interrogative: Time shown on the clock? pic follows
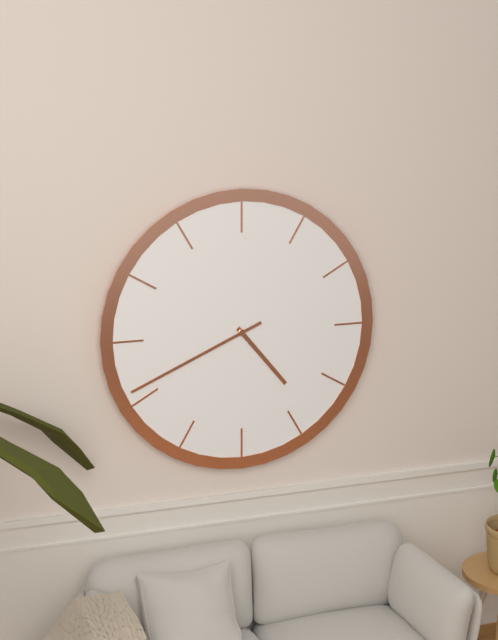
4:41
